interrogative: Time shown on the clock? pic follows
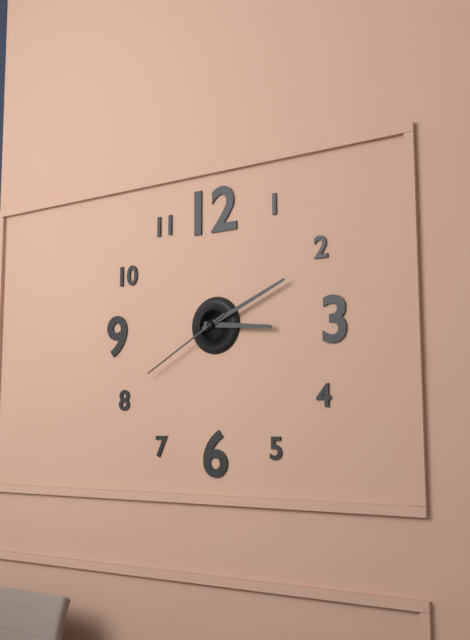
3:11:40
